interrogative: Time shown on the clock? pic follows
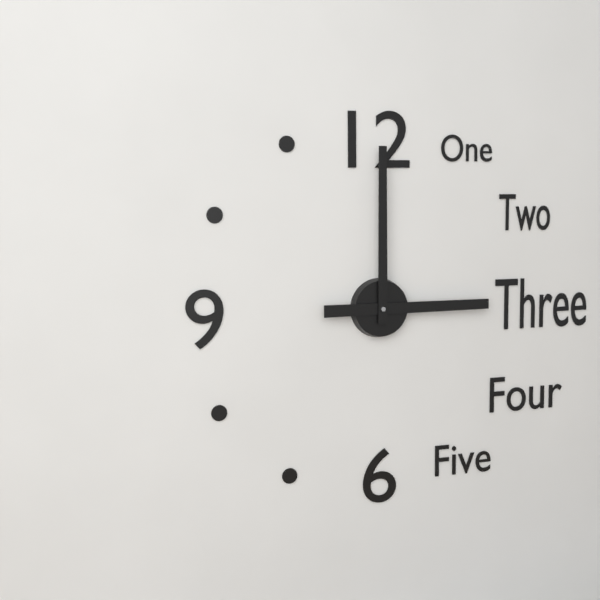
3:00
